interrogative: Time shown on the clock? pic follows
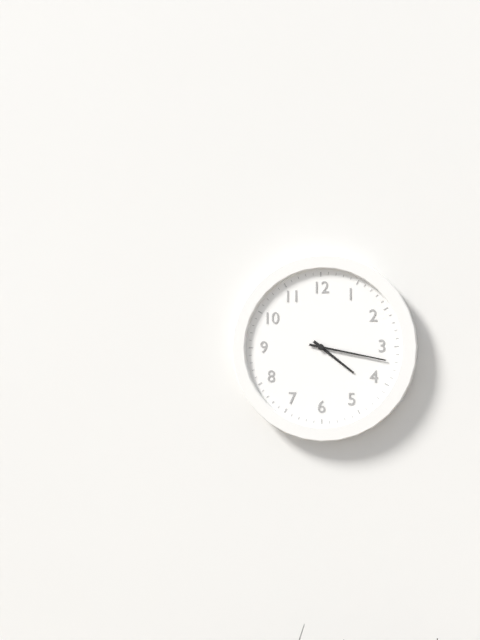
4:17
